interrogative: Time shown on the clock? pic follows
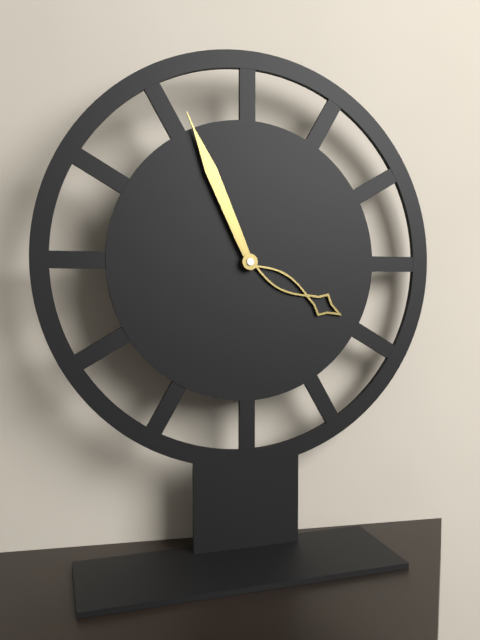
3:56
